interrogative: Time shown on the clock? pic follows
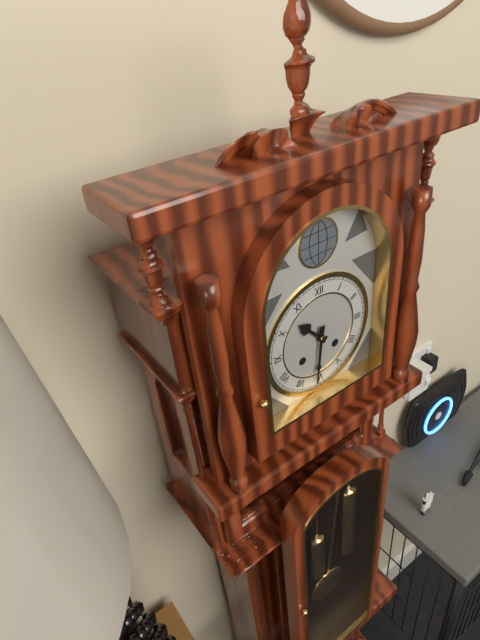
10:31
